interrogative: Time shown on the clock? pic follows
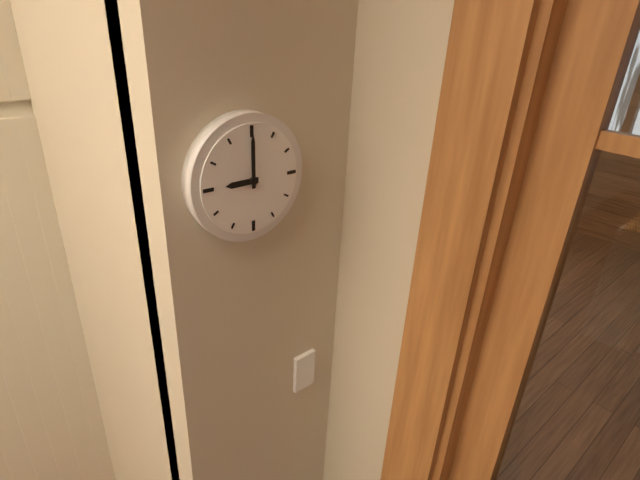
9:00
